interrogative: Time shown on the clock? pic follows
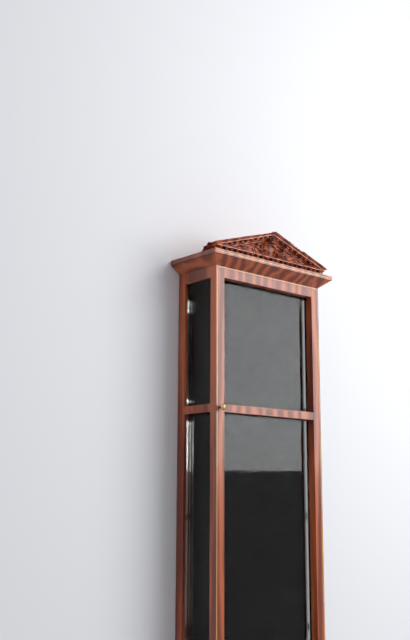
8:37:22
